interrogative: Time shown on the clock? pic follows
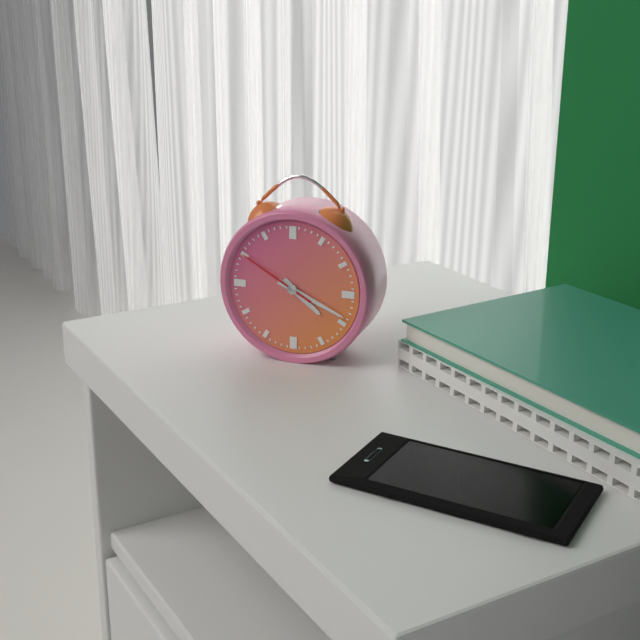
4:19:50
